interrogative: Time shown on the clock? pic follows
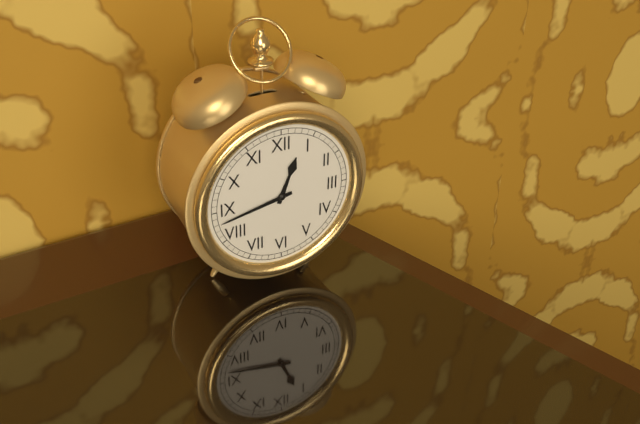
12:43
